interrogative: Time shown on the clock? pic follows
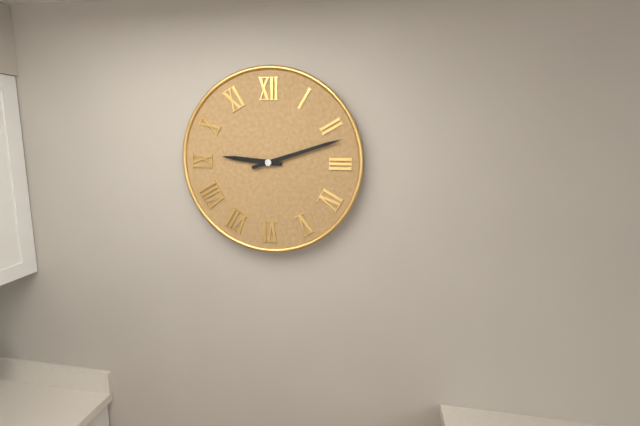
9:12
